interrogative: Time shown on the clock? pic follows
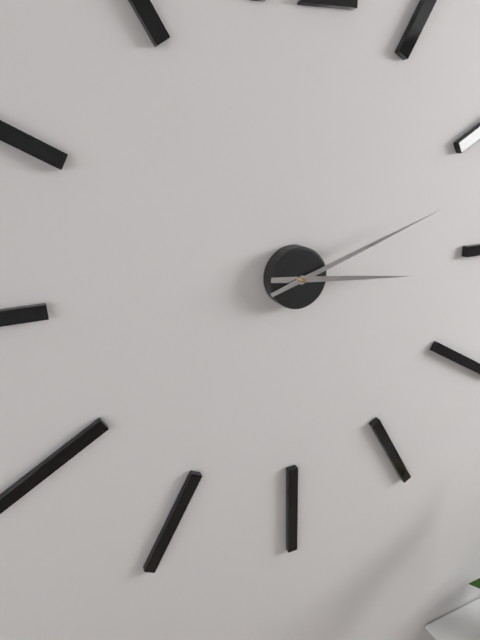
3:12
